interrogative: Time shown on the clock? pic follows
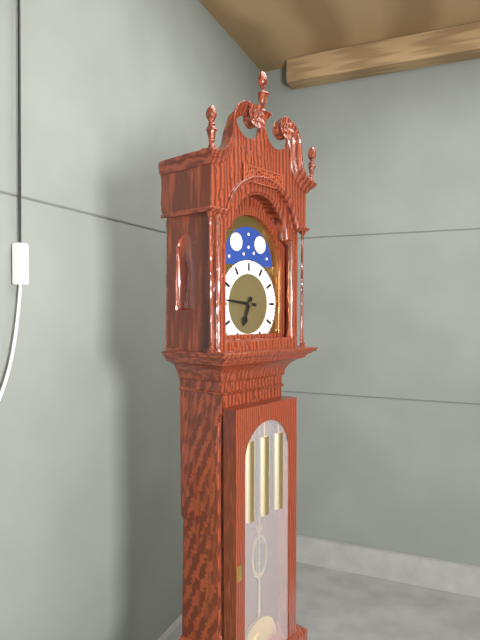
6:46
